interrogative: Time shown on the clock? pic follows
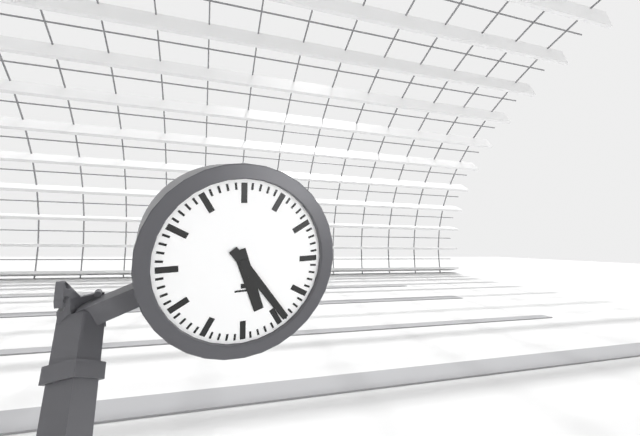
5:24
